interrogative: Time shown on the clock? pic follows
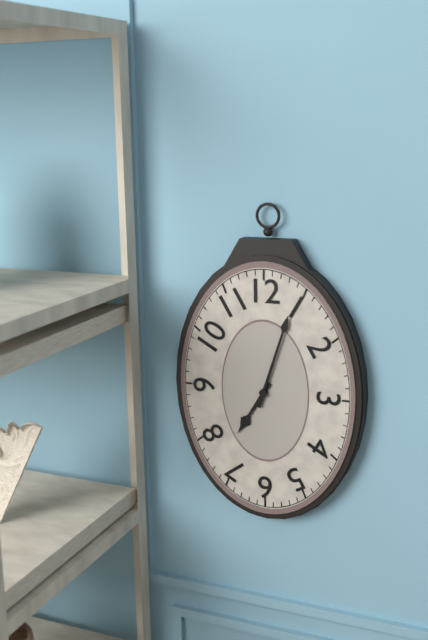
7:03
